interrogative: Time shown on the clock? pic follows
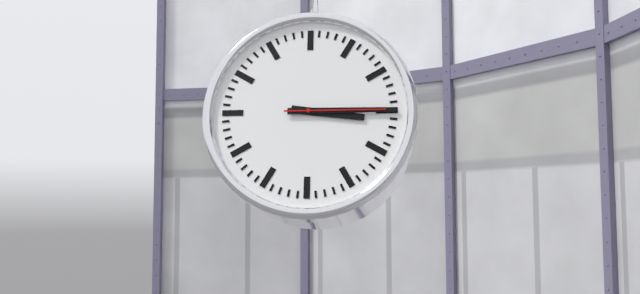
3:15:15
